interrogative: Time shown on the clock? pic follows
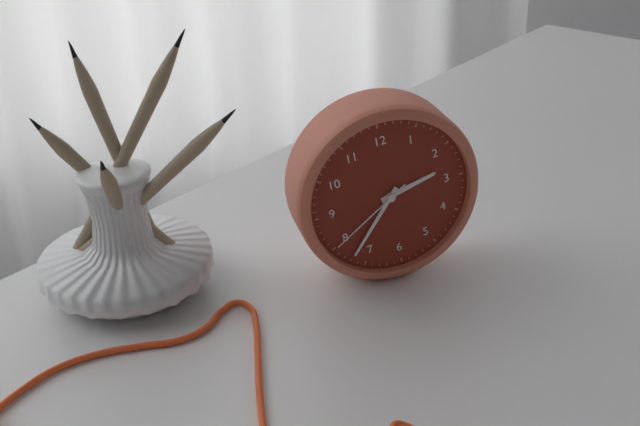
2:37:40
